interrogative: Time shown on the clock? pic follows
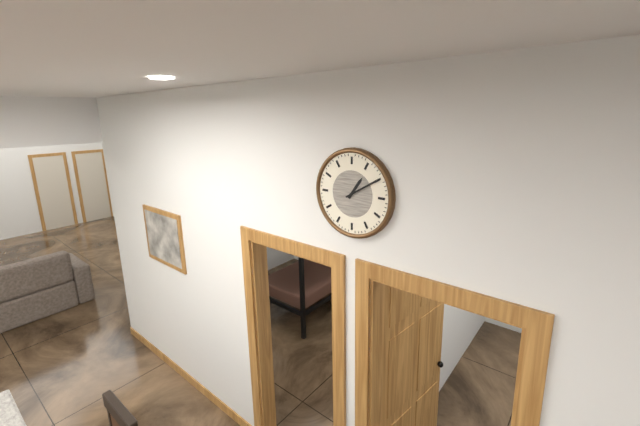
1:10
